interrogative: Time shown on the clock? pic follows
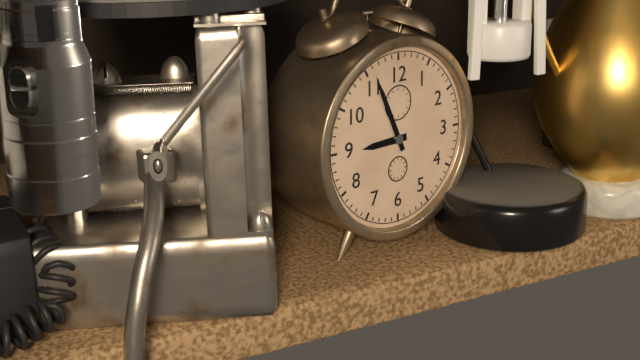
8:56
